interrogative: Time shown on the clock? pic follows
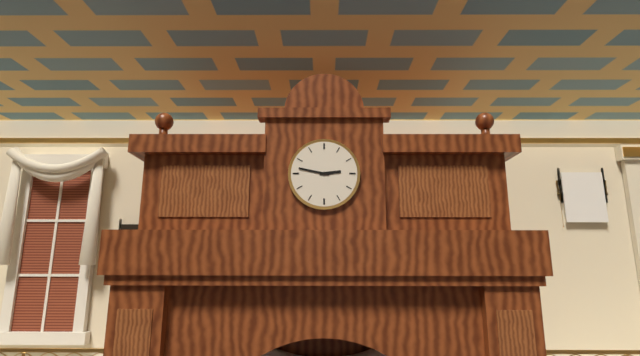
2:47
